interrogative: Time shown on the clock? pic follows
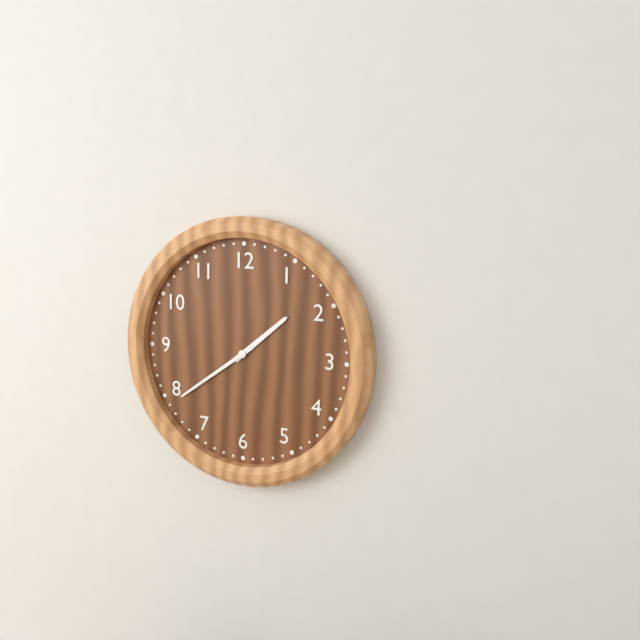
1:39
